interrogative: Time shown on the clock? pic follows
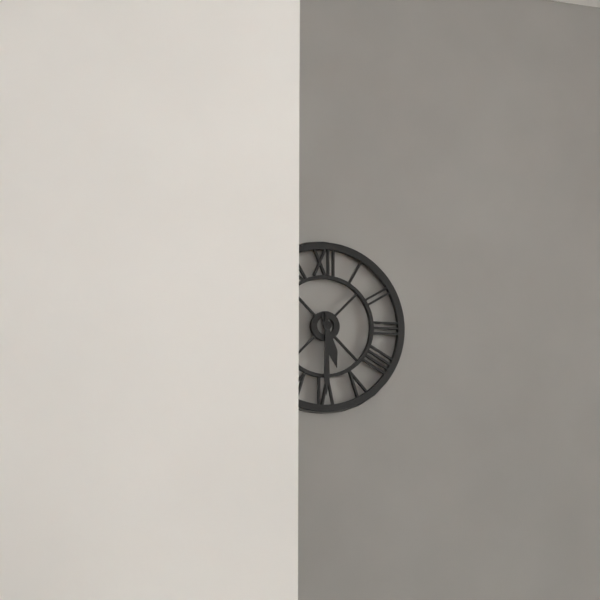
5:30
